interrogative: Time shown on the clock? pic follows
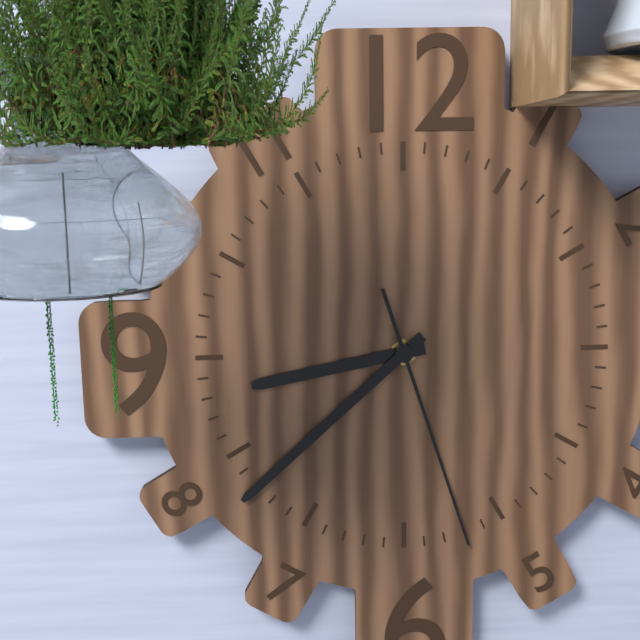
8:38:27
